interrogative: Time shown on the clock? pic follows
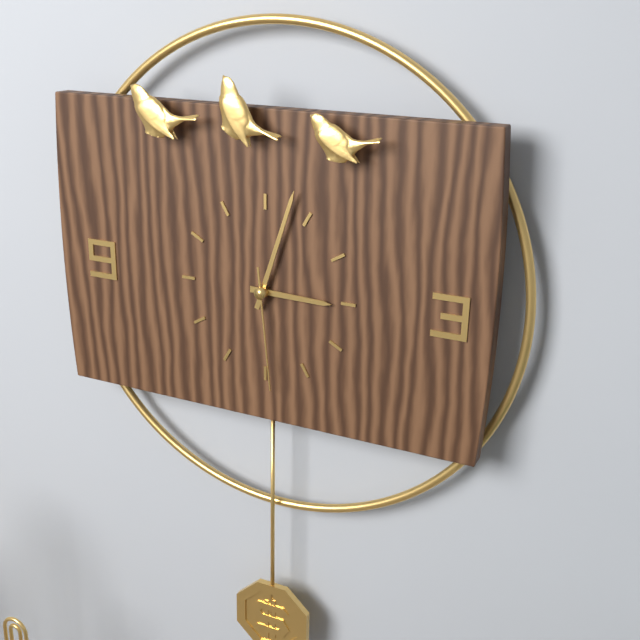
3:03:29
